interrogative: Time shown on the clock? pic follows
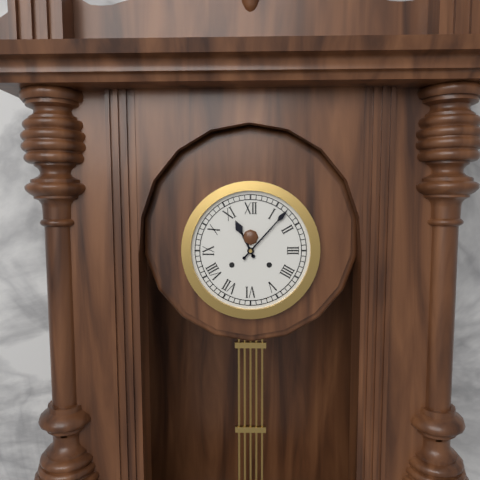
11:07
